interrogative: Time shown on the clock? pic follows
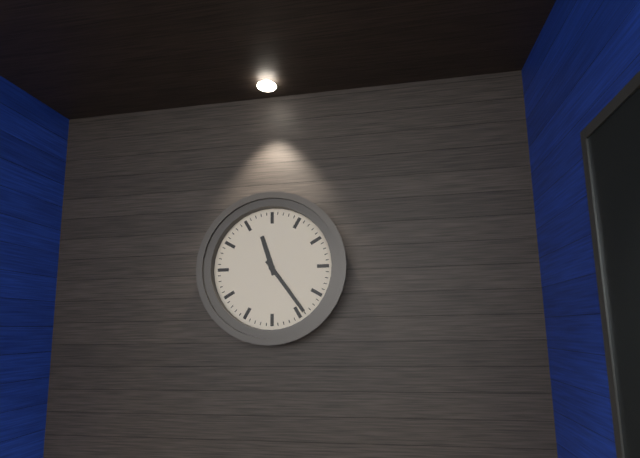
11:24
